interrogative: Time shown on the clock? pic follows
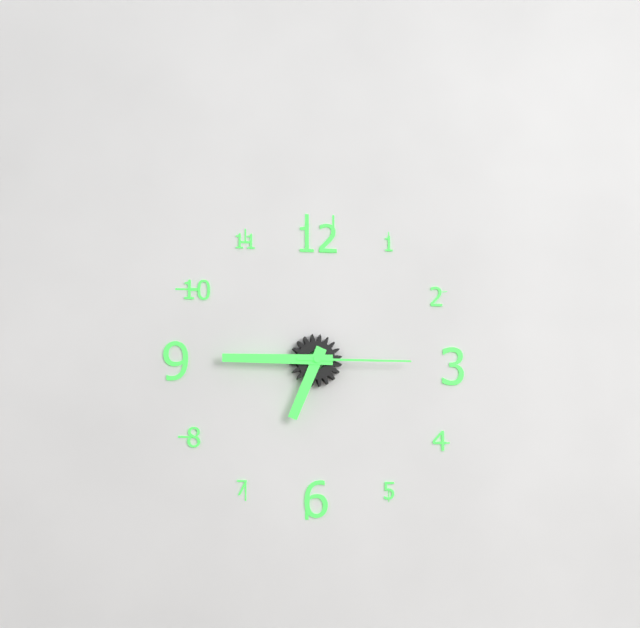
6:45:15
